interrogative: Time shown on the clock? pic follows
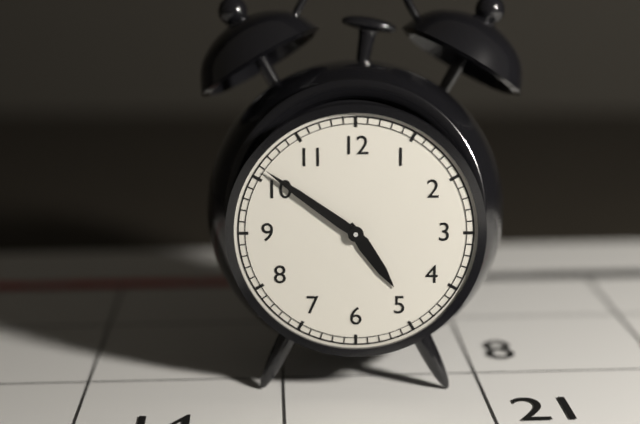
4:51
